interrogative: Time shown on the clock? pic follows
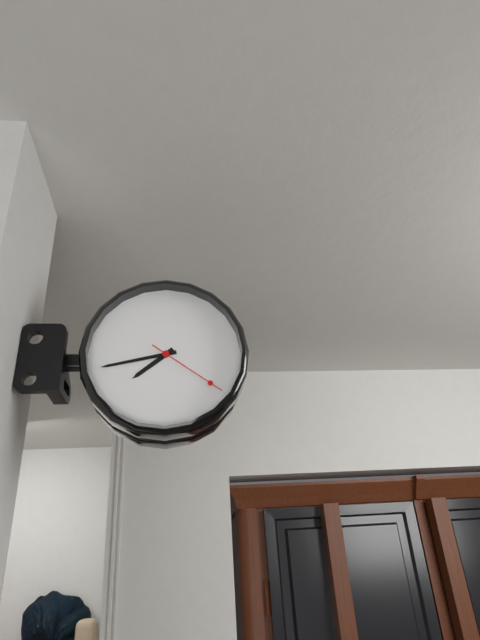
7:43:21
